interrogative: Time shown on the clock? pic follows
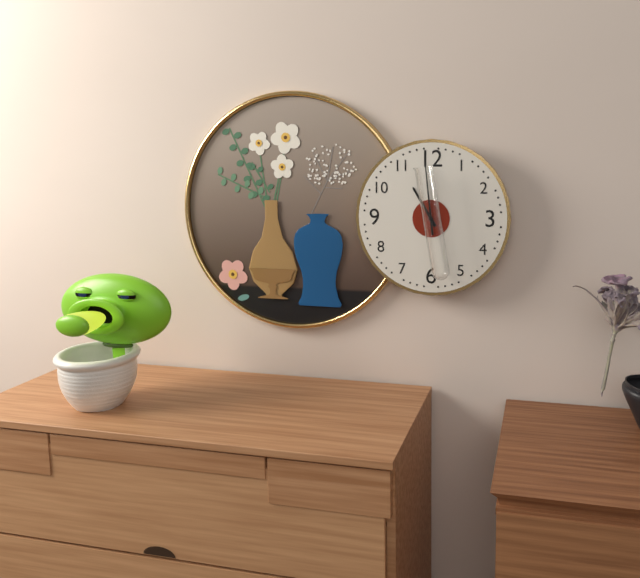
10:59
